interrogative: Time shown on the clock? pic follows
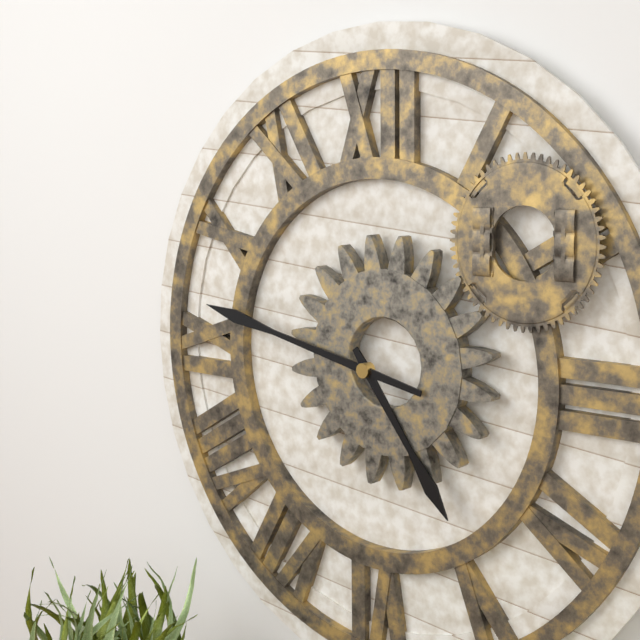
4:47
